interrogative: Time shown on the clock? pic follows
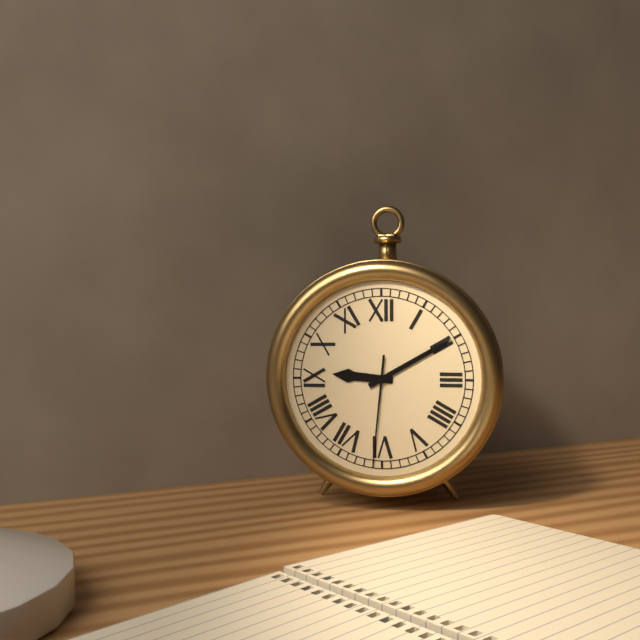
9:10:31
